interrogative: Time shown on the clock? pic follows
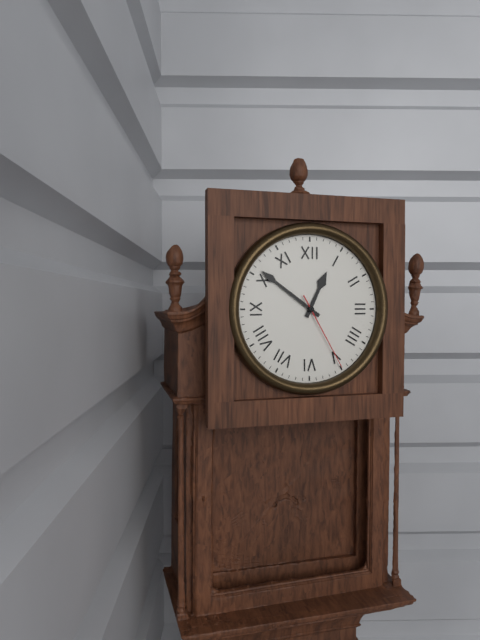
12:51:25
